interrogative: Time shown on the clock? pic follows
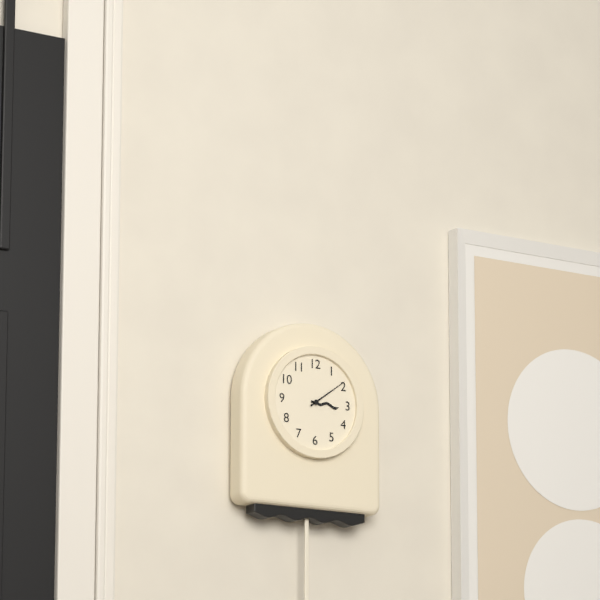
3:09
